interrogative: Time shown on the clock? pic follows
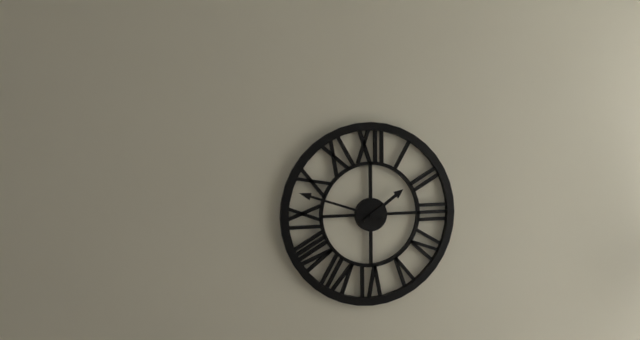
1:48
